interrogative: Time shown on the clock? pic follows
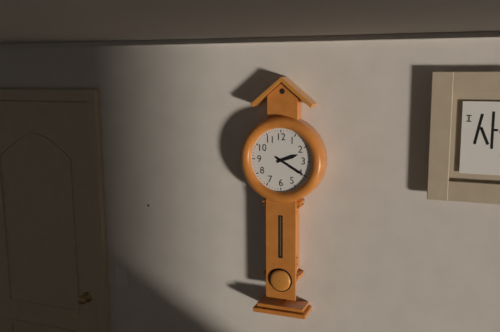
2:20
